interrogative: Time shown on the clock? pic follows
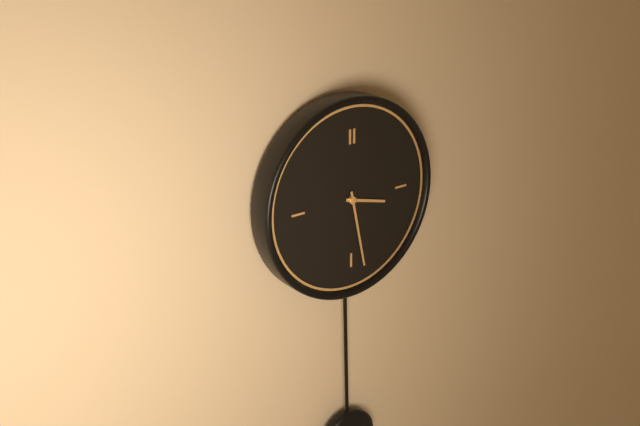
3:28
